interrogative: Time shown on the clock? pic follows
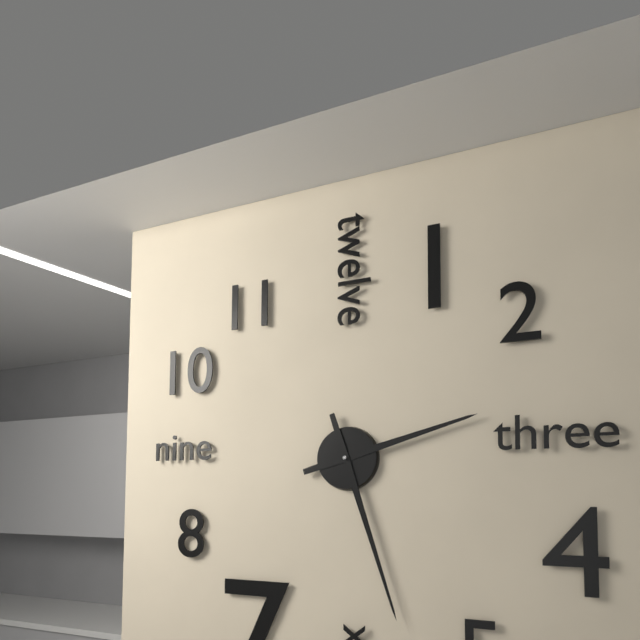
2:27
